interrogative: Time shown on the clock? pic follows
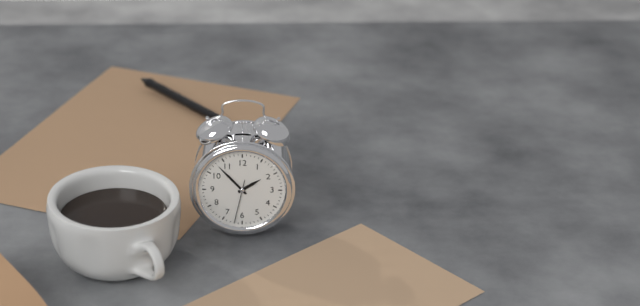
1:53
